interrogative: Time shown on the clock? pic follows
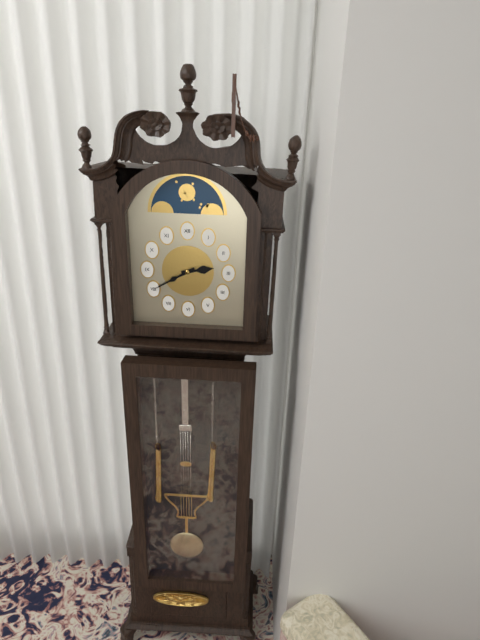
2:40
